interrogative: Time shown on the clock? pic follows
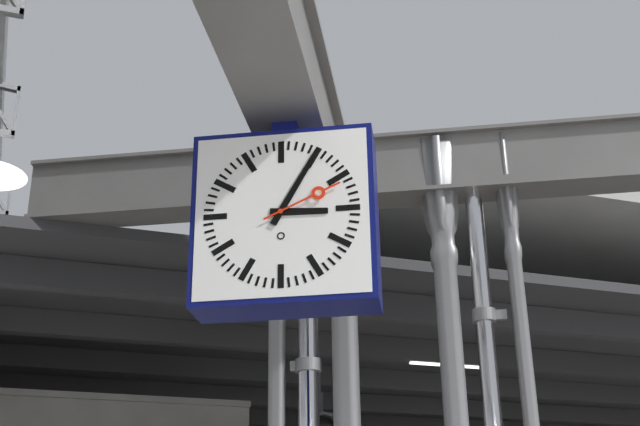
3:05:11
